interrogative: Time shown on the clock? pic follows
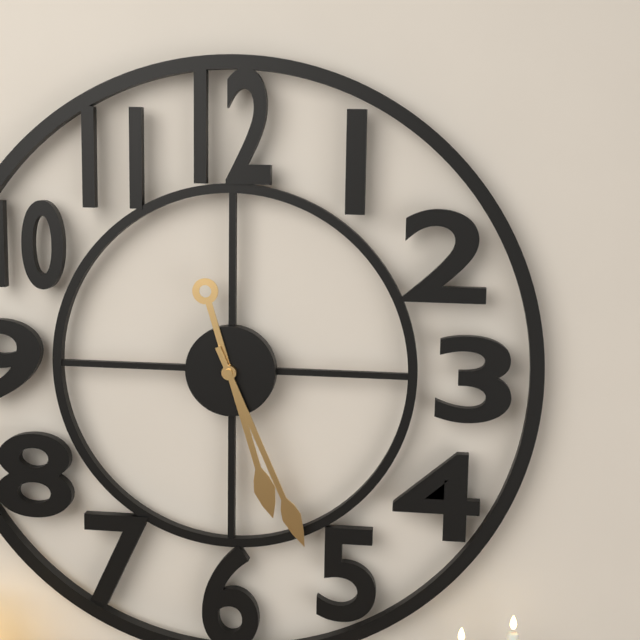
5:26
